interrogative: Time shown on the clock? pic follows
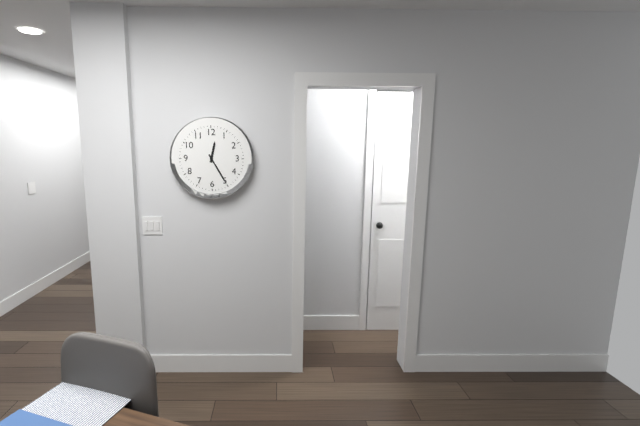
12:25
